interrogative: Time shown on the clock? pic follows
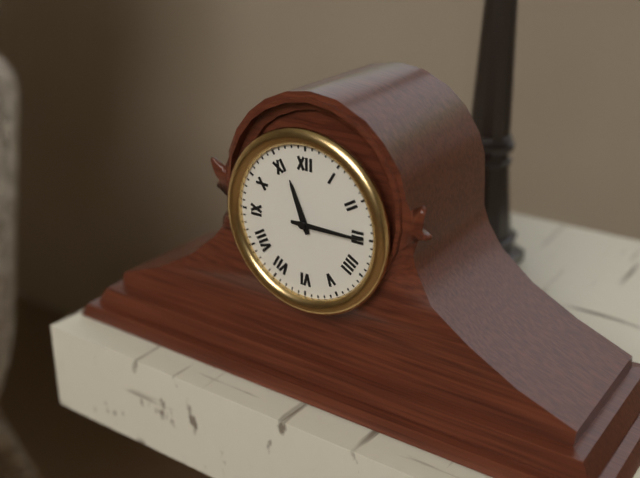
11:15
